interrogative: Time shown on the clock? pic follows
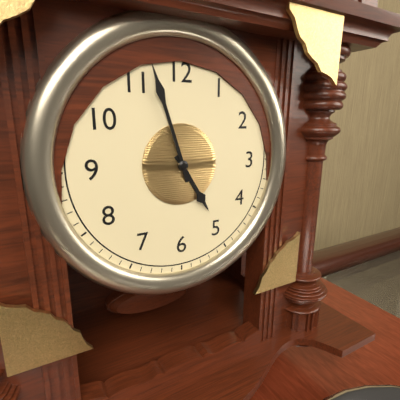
4:57
